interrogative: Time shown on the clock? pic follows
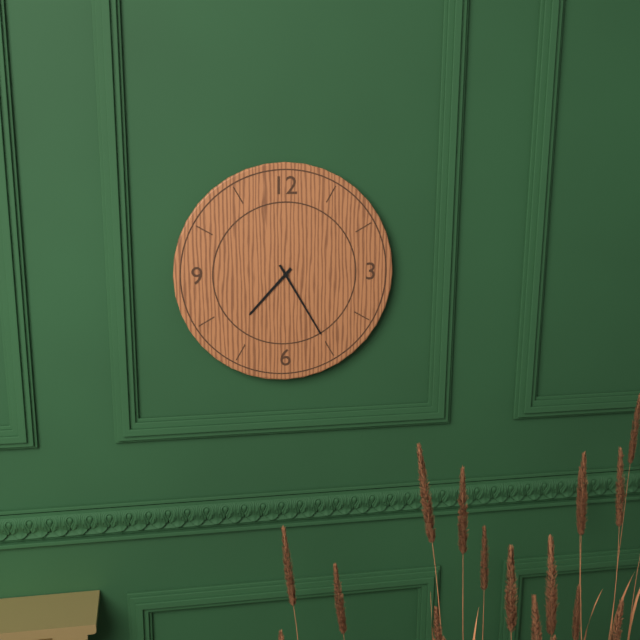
7:25
